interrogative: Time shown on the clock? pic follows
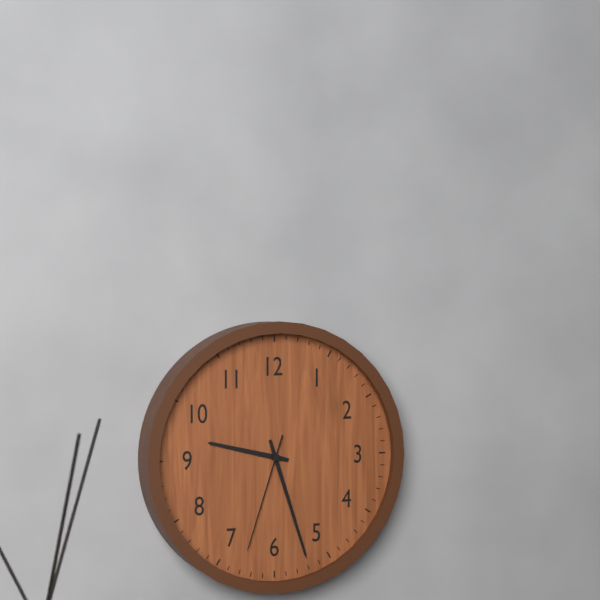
9:27:33
